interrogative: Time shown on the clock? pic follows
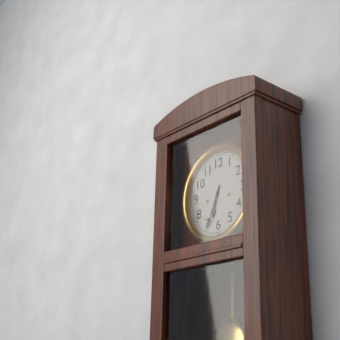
6:34
